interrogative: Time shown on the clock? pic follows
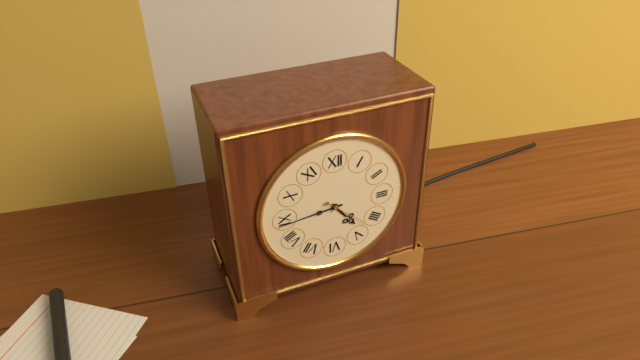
4:44
